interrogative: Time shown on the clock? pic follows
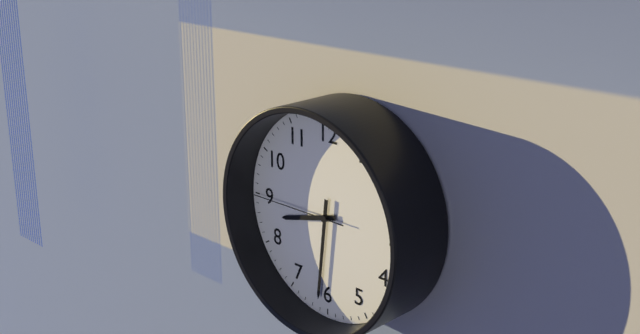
8:31:45
